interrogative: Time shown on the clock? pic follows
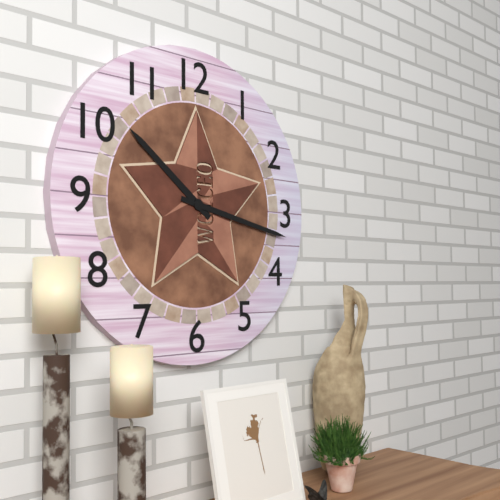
10:17
